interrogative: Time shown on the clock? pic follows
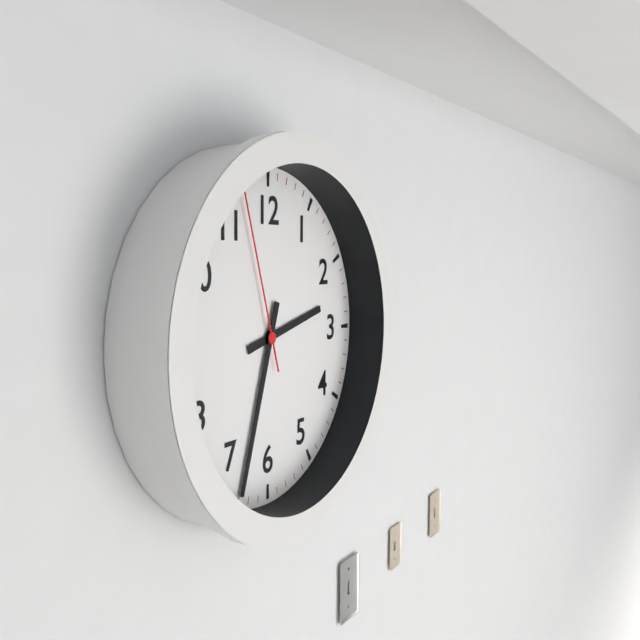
2:33:57
